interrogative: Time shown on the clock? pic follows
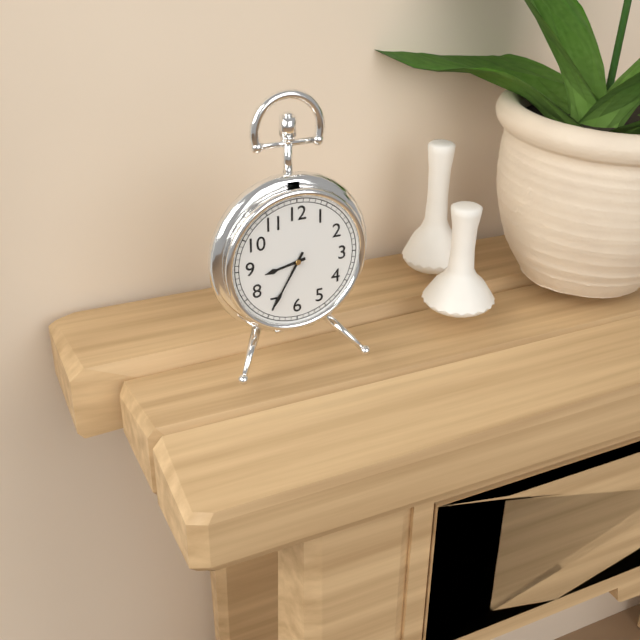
8:35
